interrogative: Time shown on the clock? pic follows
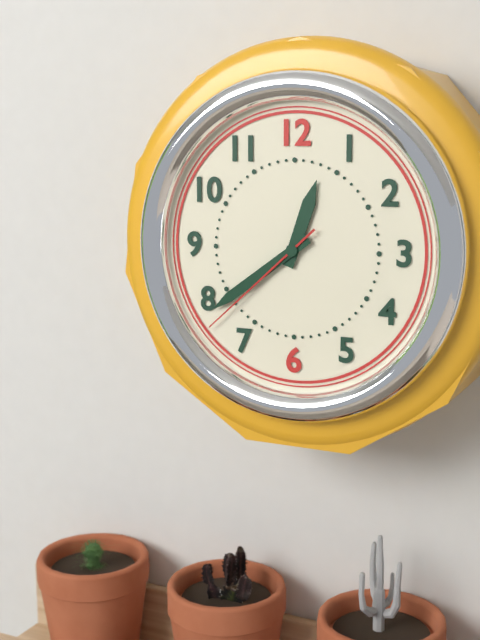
12:39:38
